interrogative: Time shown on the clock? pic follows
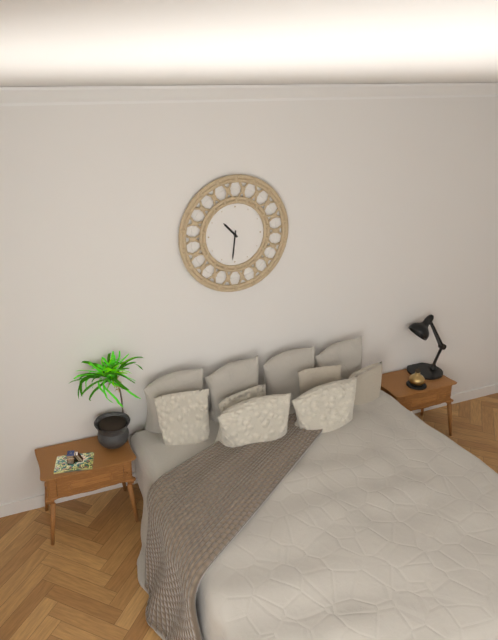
10:31
